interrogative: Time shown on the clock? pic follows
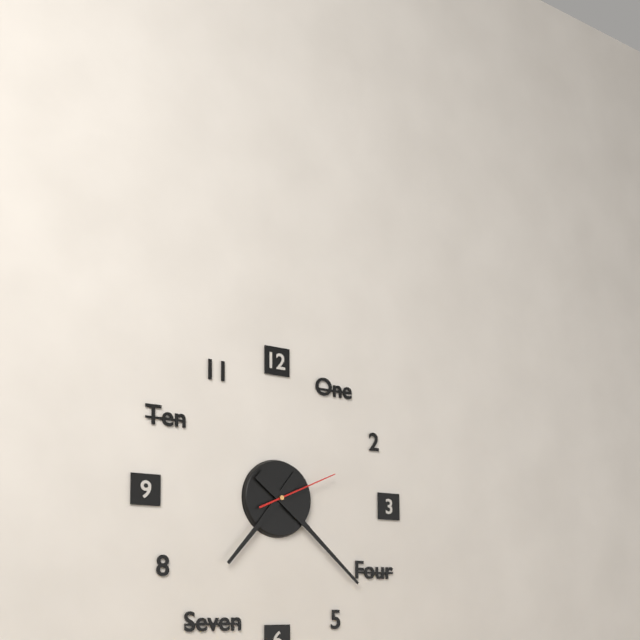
7:22:11
